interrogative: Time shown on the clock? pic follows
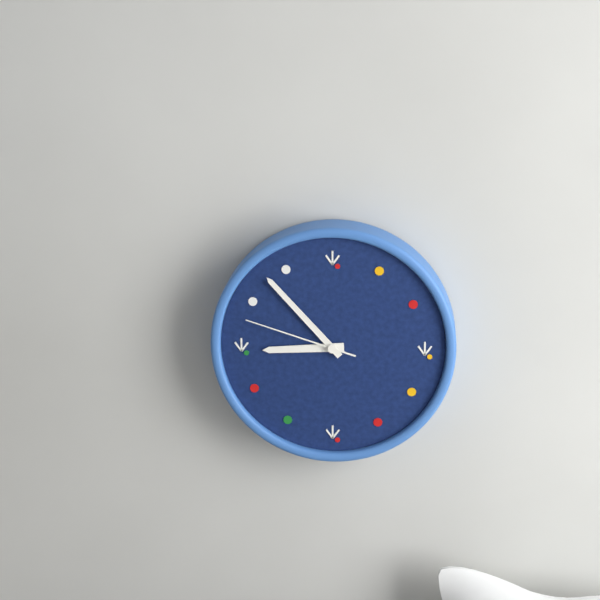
8:53:48
